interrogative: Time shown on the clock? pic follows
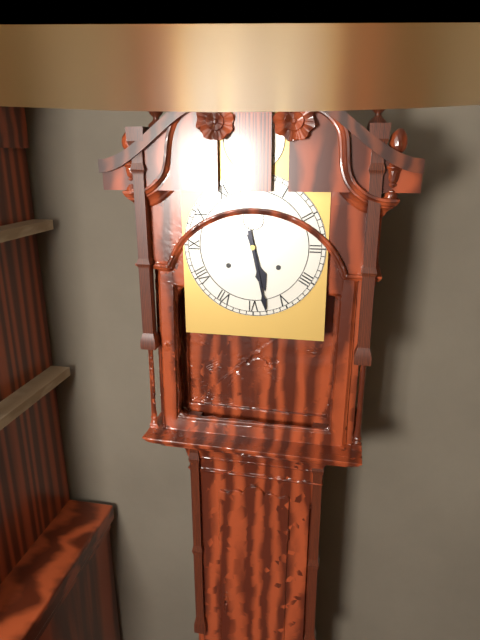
5:28
